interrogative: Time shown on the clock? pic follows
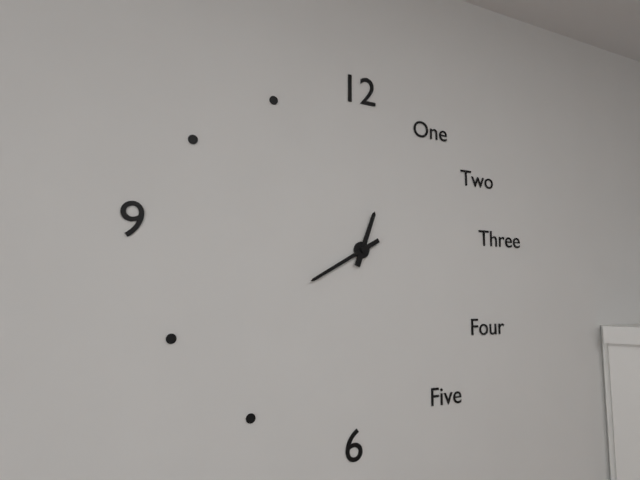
12:40
